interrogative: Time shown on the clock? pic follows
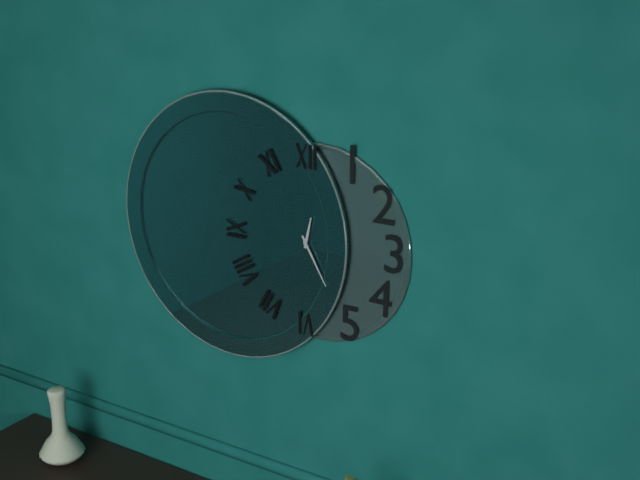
12:25
